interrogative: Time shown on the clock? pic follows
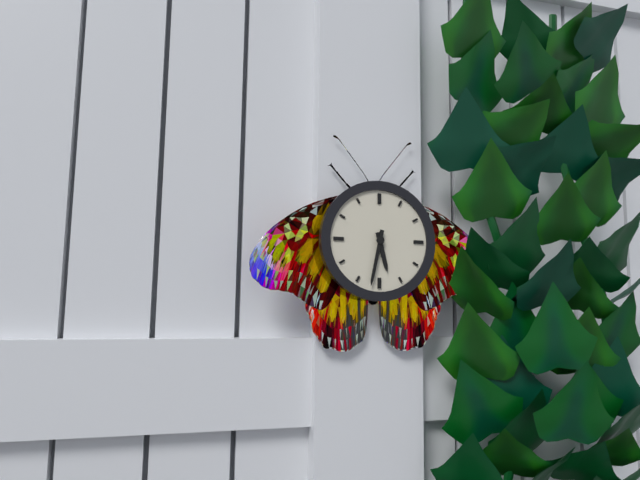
5:32
